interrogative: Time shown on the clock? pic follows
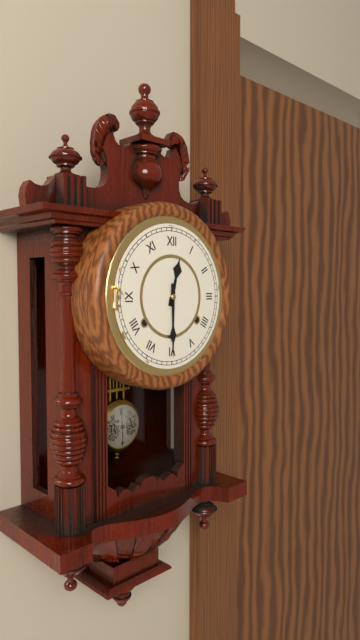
12:30
